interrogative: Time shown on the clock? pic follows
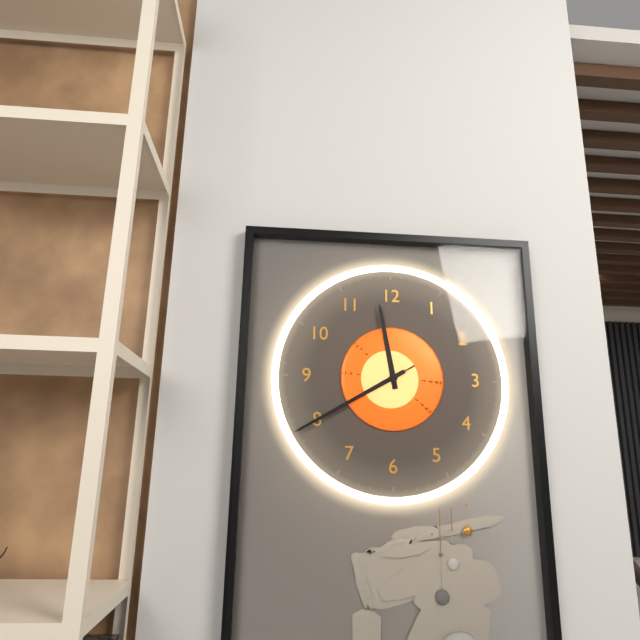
11:40:40
